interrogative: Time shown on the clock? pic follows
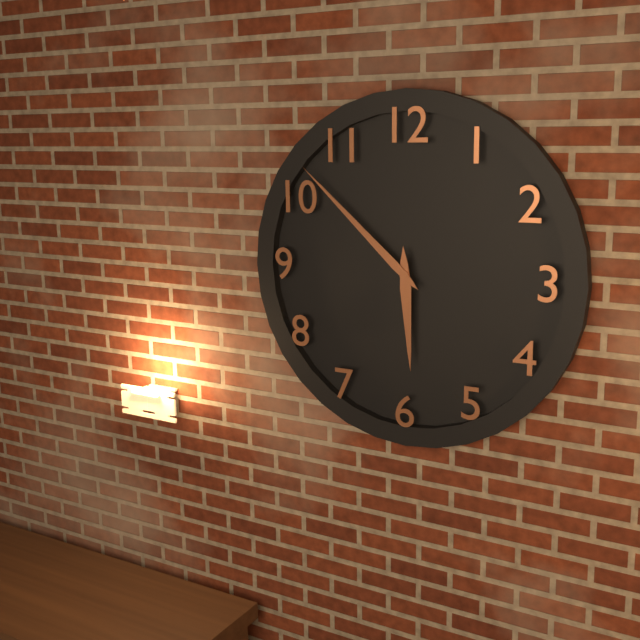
5:52
